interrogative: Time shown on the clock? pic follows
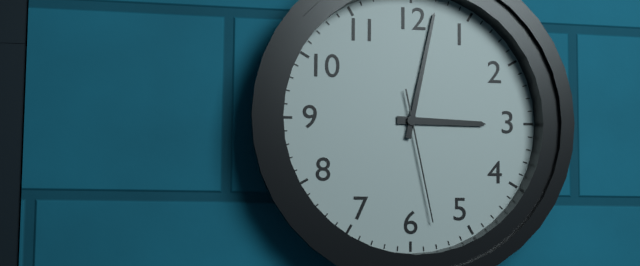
3:02:28
